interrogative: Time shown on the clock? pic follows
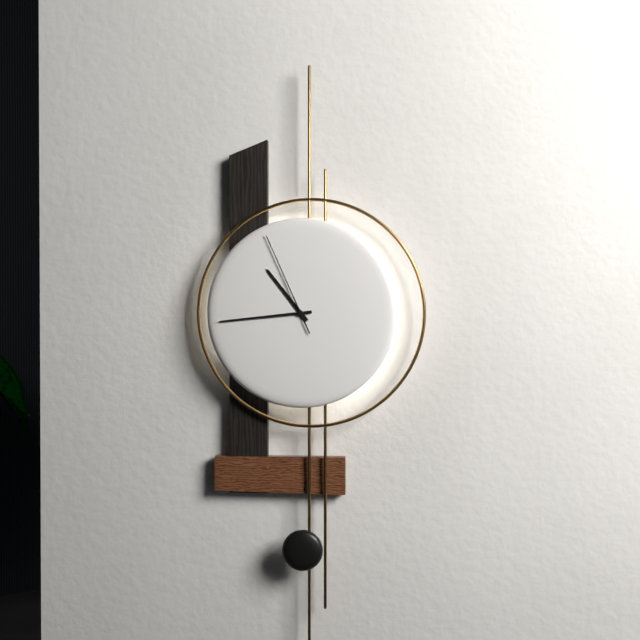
10:44:56
